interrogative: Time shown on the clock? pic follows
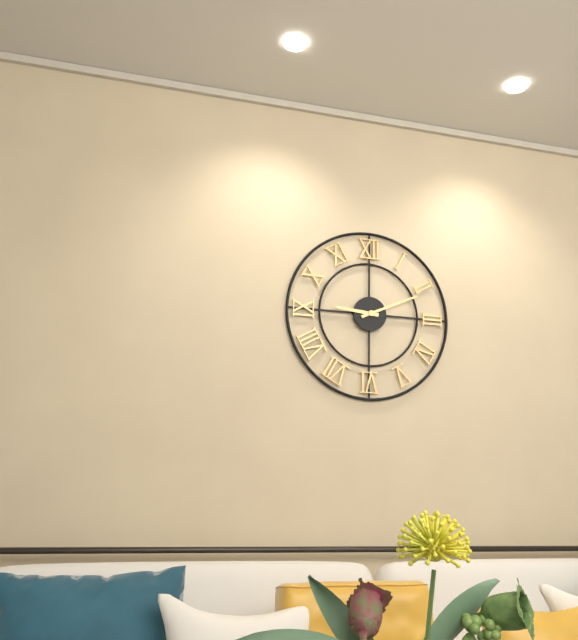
9:11
